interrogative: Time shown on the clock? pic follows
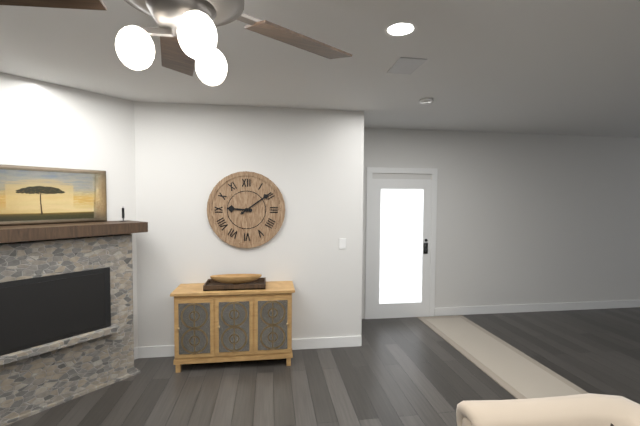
9:09
